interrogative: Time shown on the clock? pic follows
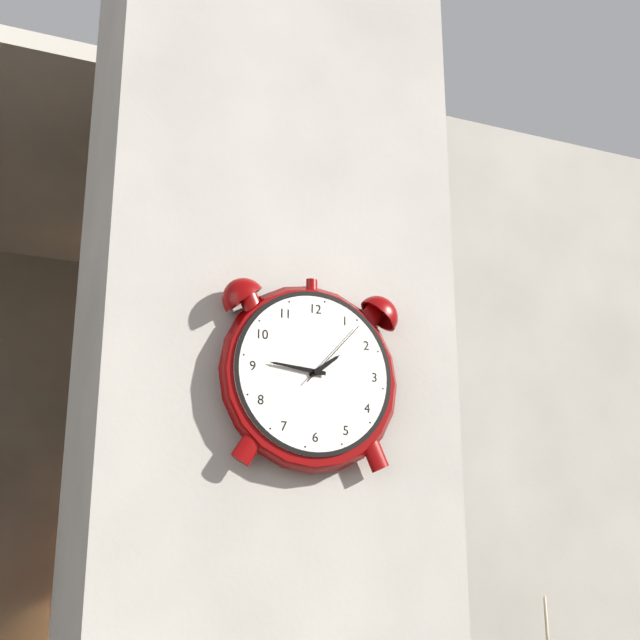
1:46:07
